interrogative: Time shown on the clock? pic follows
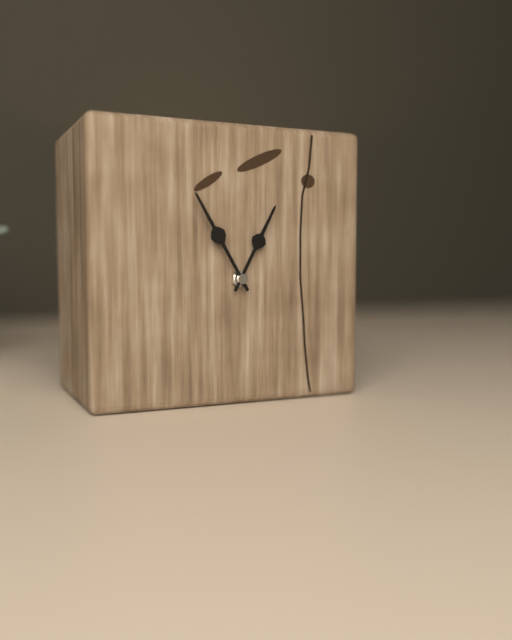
12:55
